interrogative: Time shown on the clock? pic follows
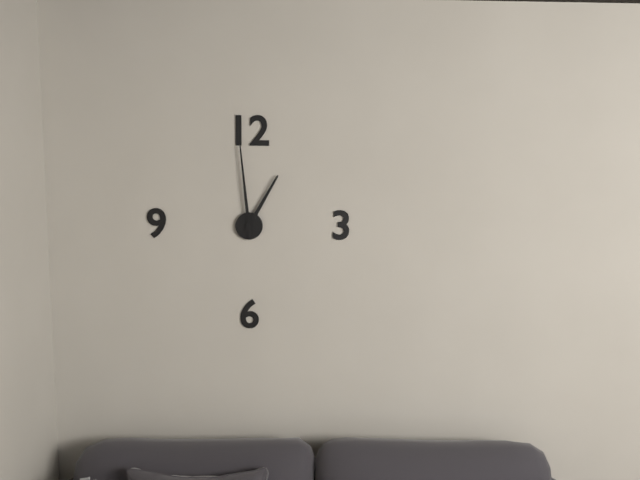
12:59
